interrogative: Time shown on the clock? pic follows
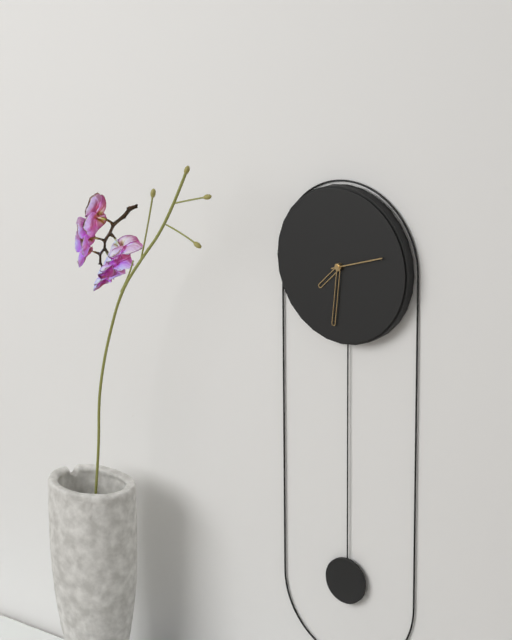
7:31:12
